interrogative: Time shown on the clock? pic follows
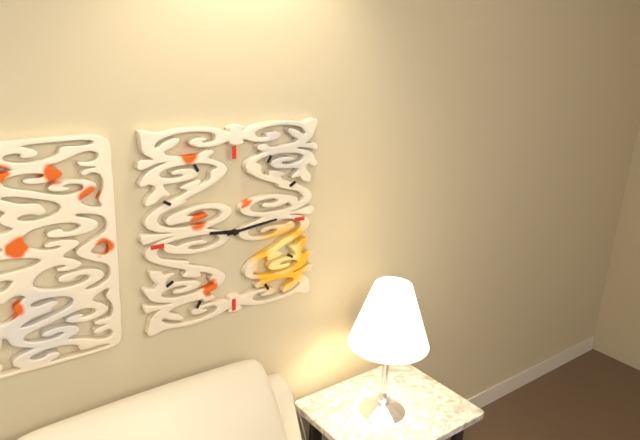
9:14
